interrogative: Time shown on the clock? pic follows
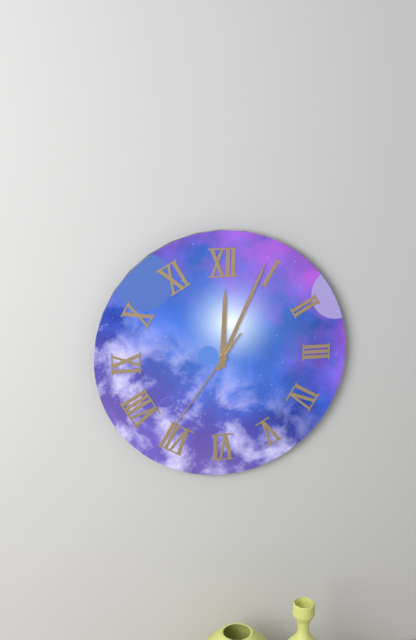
12:04:36
